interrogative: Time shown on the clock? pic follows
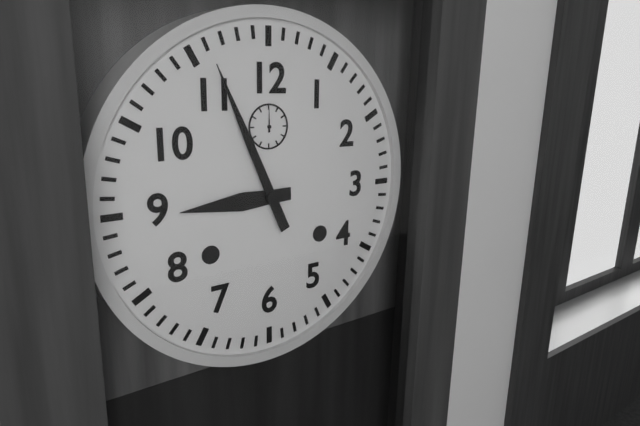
8:56
